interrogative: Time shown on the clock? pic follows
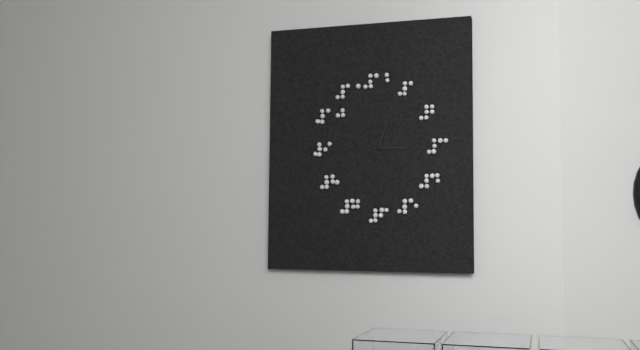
3:03
